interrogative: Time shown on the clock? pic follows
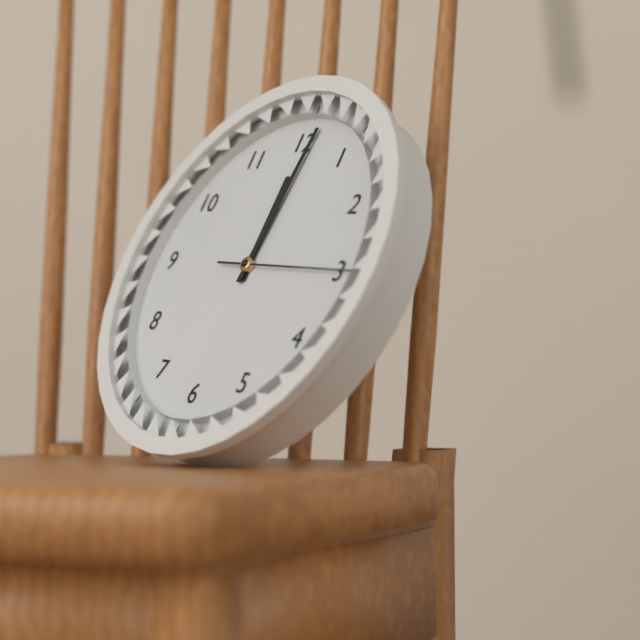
12:01:15
